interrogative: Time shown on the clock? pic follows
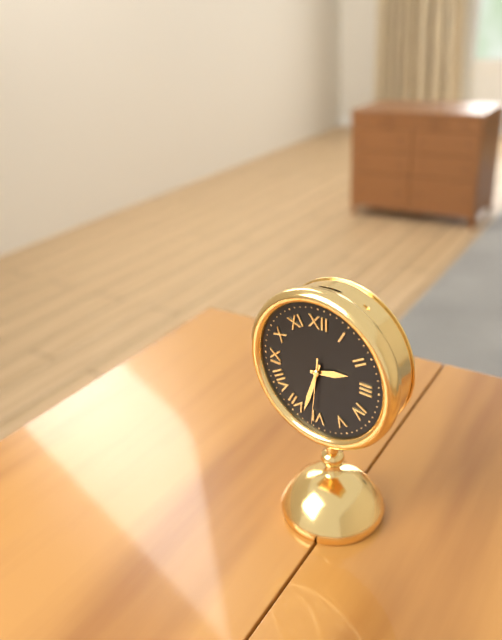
2:33:31
